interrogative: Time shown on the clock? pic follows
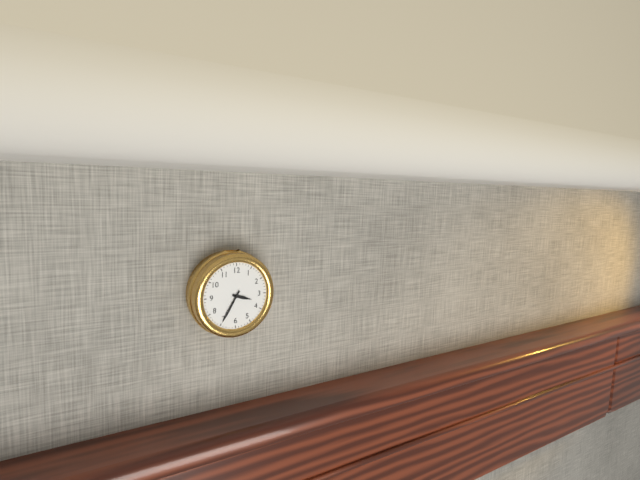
3:35
